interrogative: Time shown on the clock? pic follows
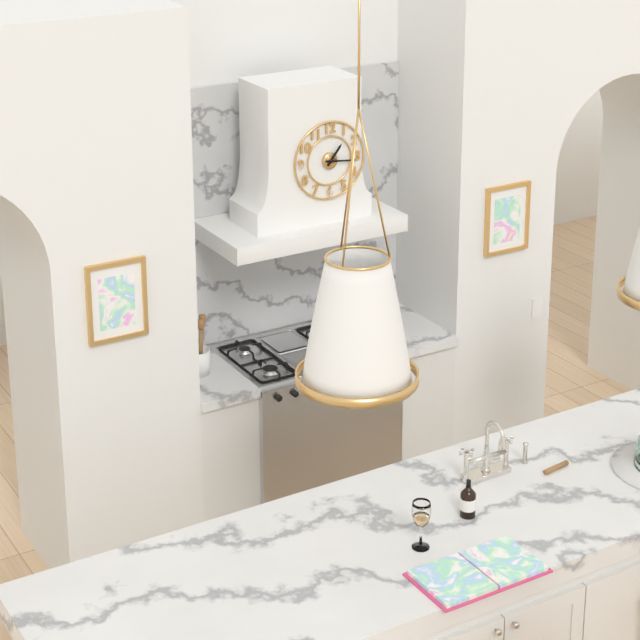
1:16
